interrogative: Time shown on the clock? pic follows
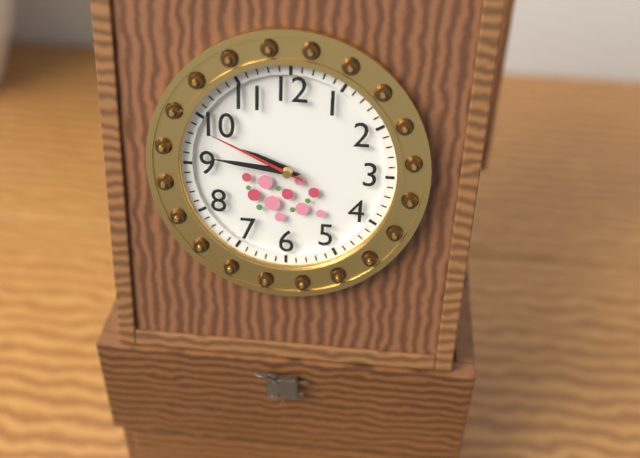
9:46:49
